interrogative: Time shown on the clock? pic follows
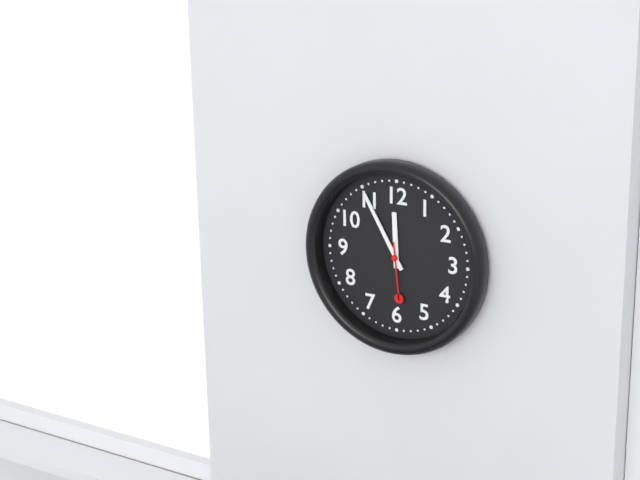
11:55:29
